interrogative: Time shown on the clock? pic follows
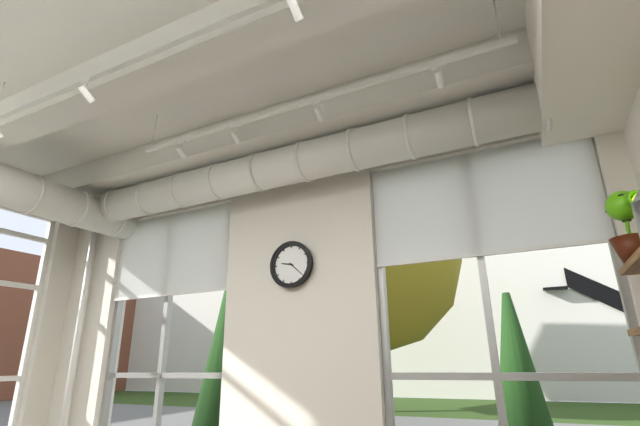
9:22
